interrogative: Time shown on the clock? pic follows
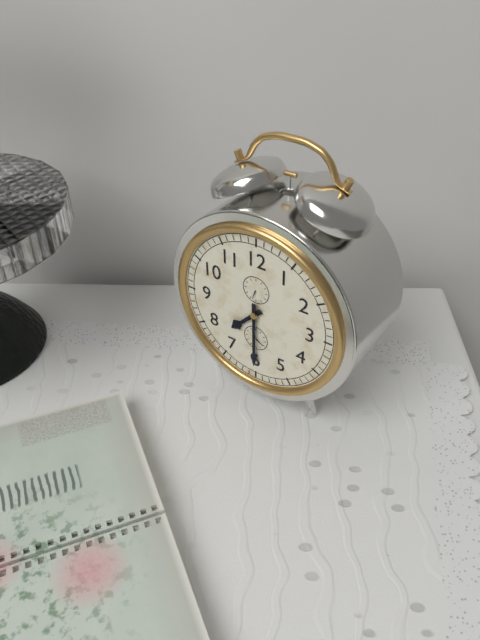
7:30
